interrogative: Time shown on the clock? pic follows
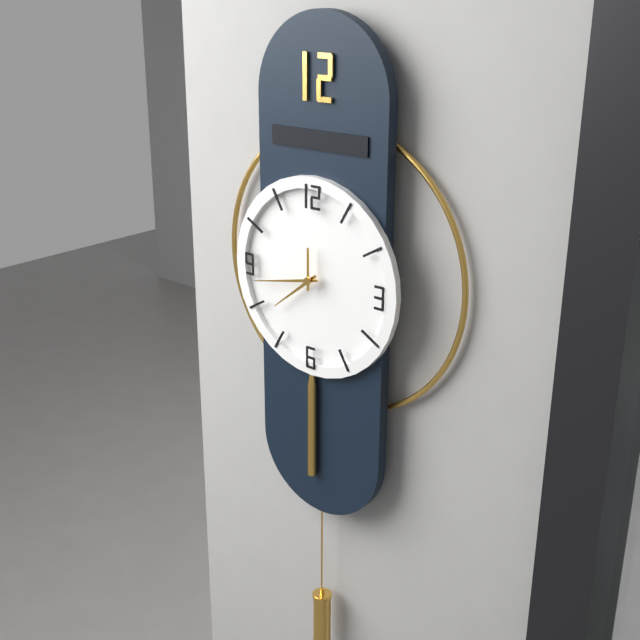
7:43
